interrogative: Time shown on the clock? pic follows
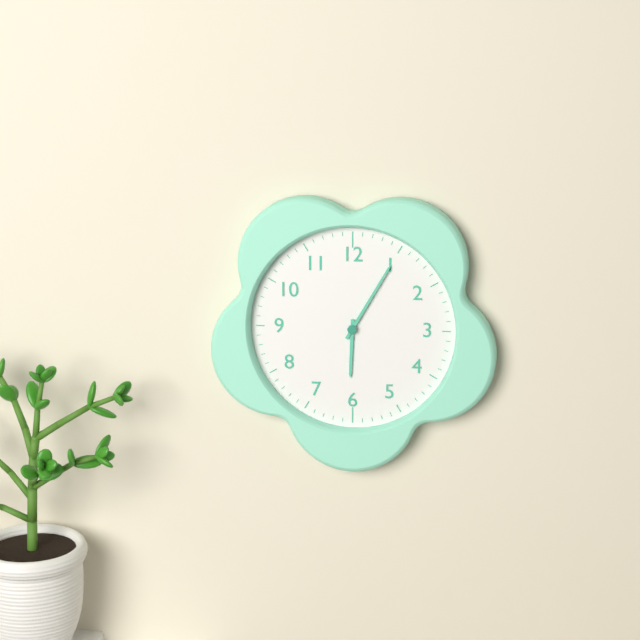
6:05
